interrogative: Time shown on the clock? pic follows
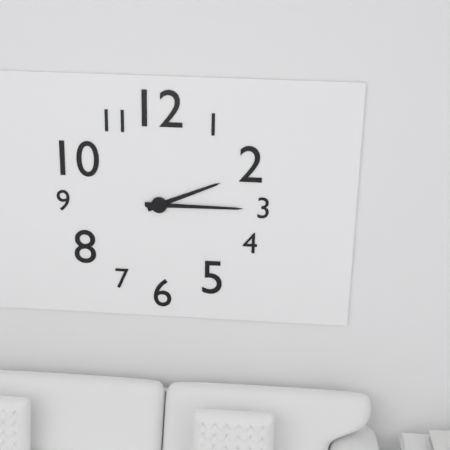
2:15
